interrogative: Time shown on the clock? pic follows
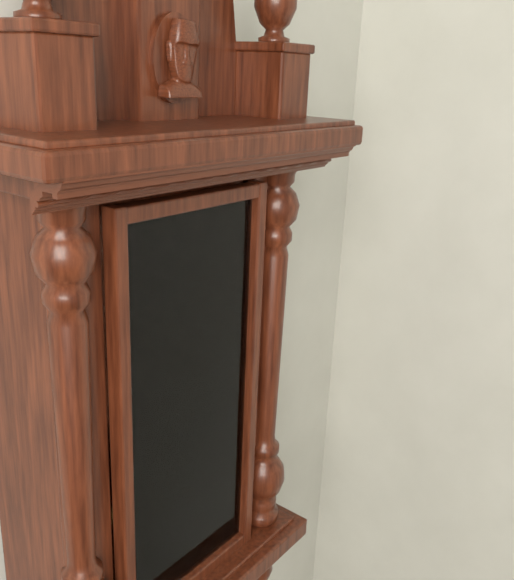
11:05
